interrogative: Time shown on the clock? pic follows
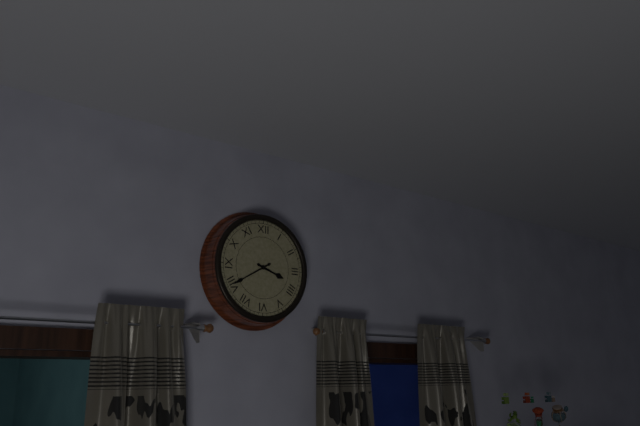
3:40
